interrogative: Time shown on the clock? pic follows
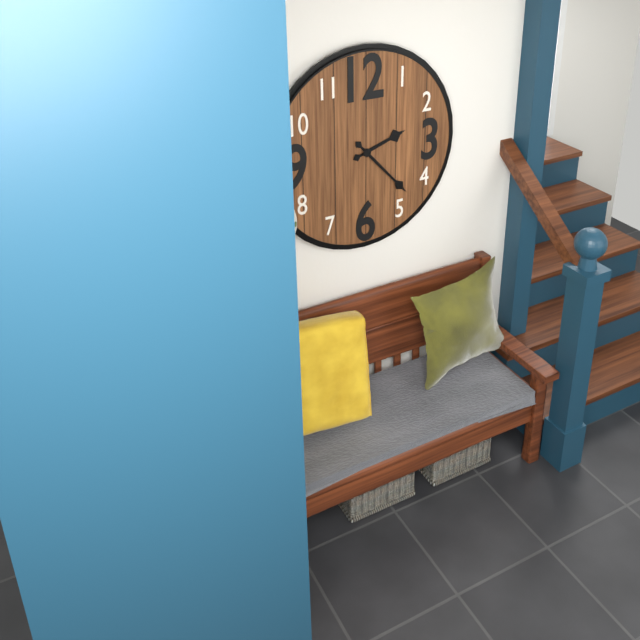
2:23
